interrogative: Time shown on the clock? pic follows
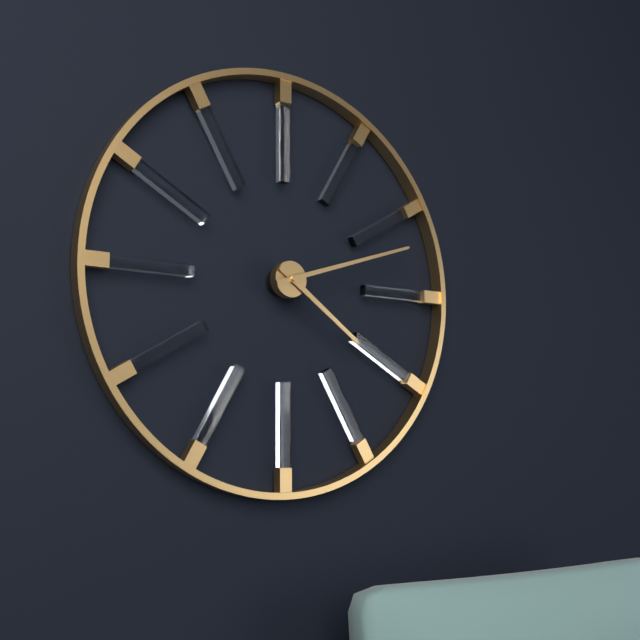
4:12
